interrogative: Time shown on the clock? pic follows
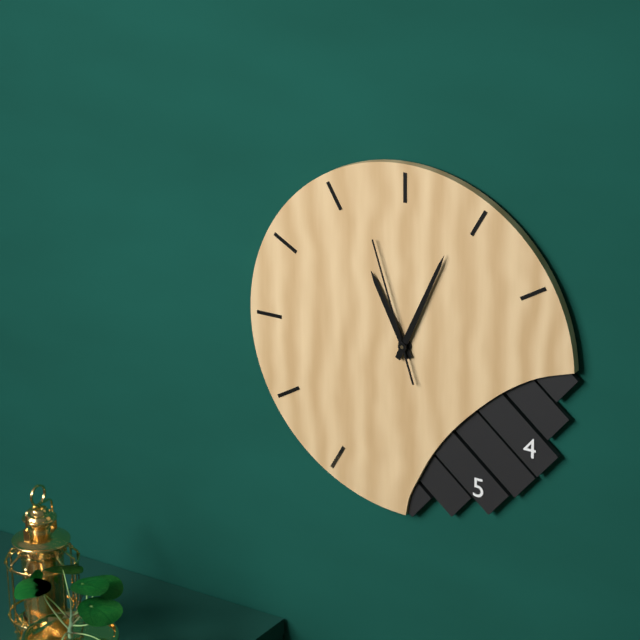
11:04:57
